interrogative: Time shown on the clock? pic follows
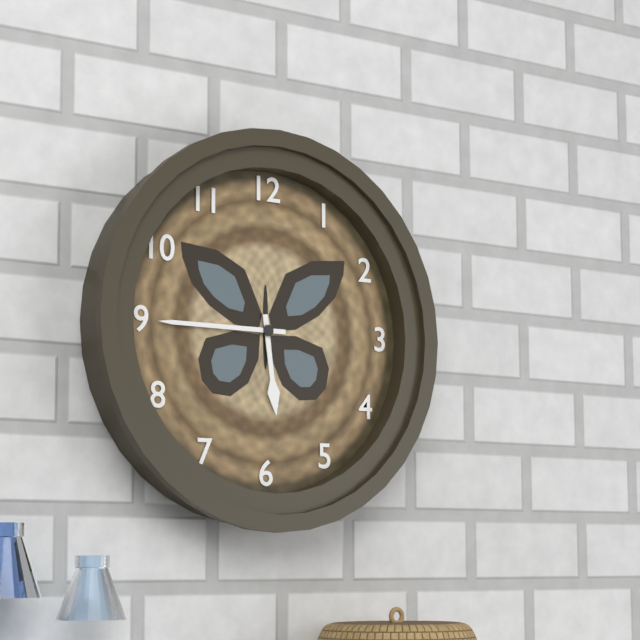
5:45
